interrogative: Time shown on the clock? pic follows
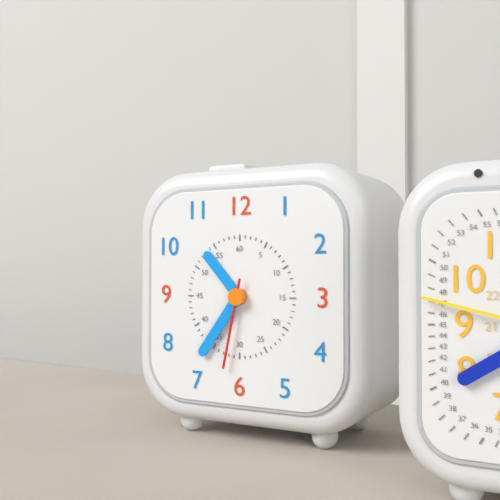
10:36:32
